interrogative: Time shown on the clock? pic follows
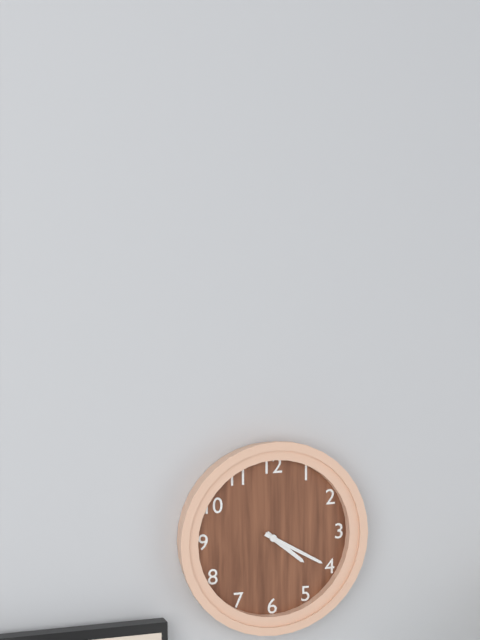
4:20
